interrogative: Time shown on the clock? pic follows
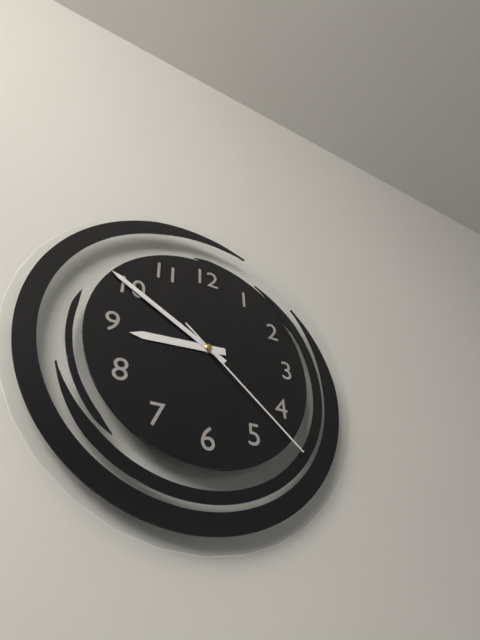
8:50:22
